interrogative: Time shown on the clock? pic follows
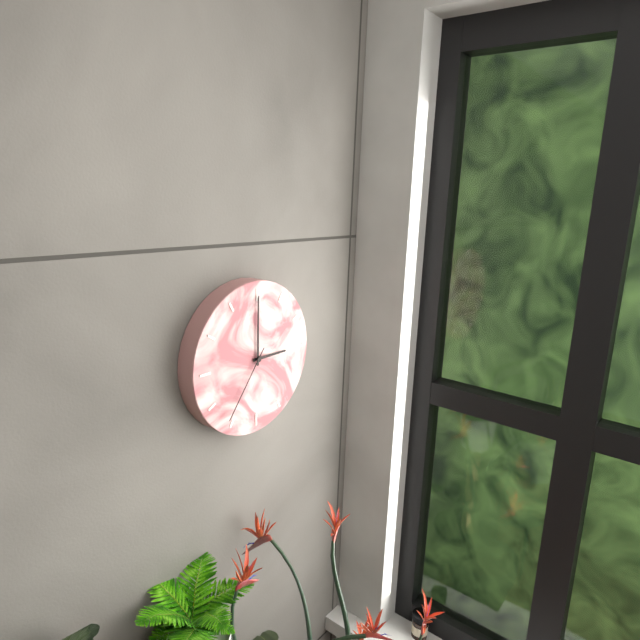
3:00:36
